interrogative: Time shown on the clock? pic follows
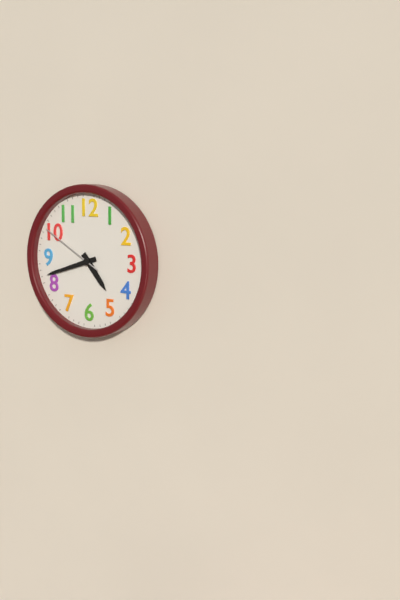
4:42:50
